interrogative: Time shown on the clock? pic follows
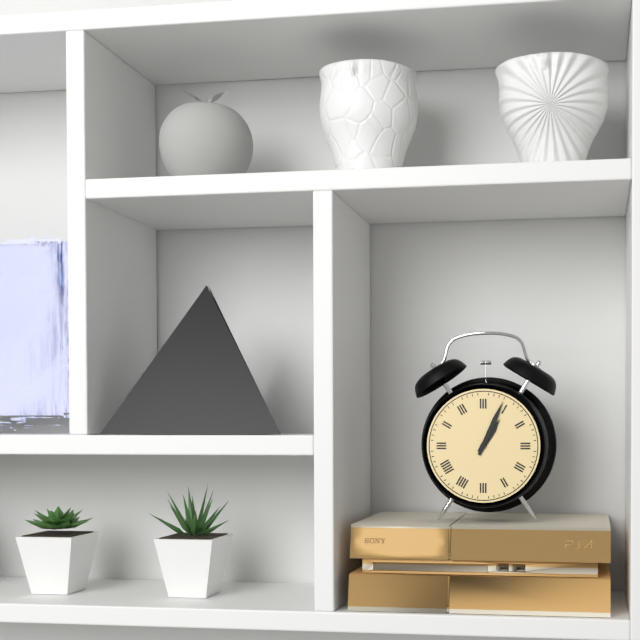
1:04
